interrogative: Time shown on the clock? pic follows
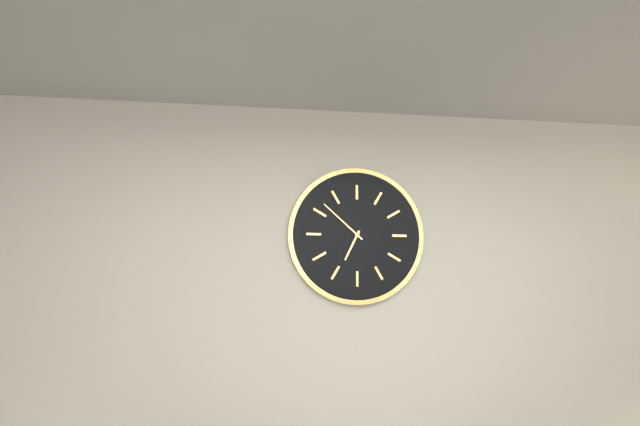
6:52
